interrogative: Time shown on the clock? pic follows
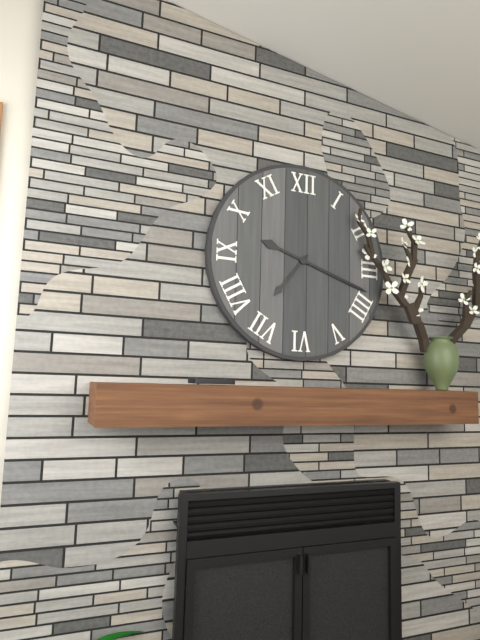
7:18
